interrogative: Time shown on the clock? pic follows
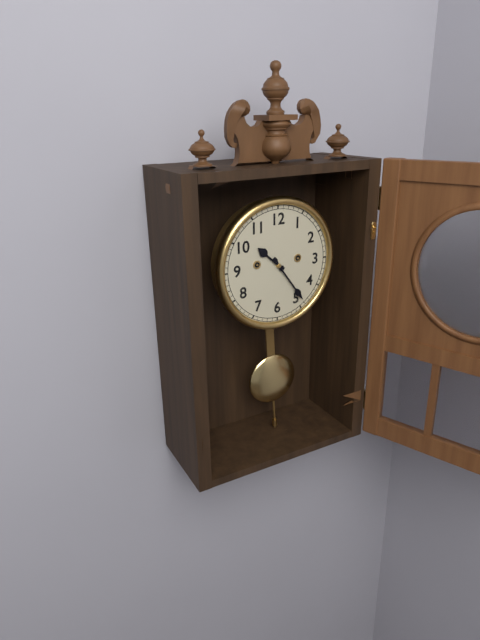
10:24
